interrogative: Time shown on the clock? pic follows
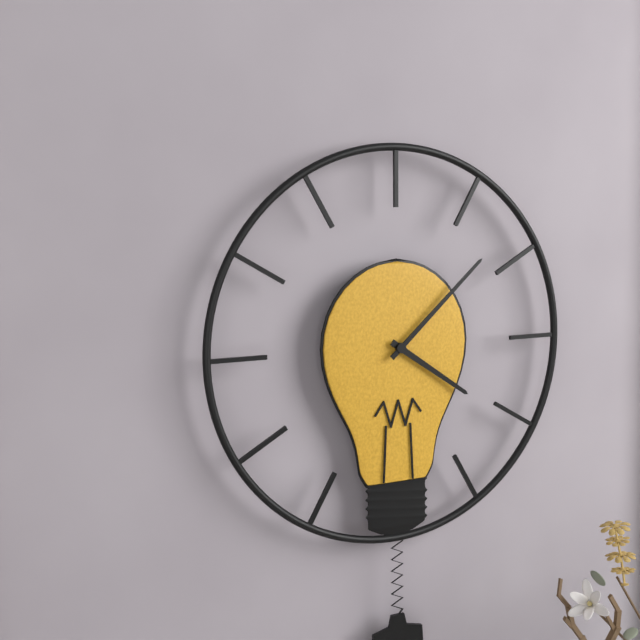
4:08
